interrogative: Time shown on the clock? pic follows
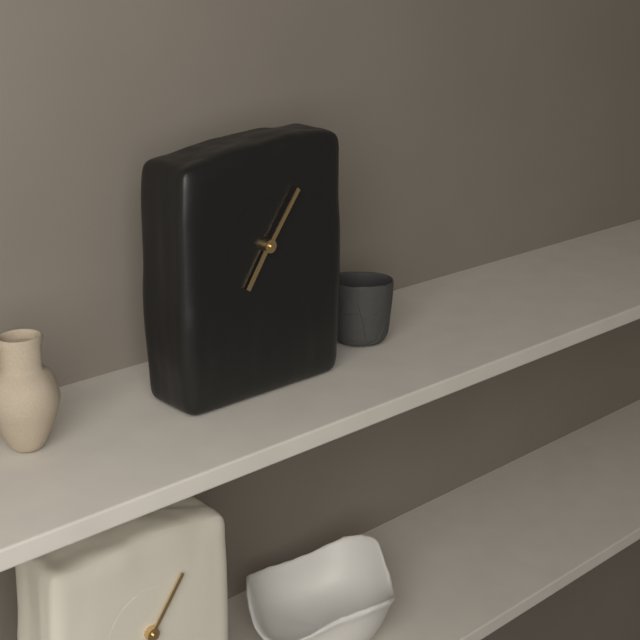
7:06
